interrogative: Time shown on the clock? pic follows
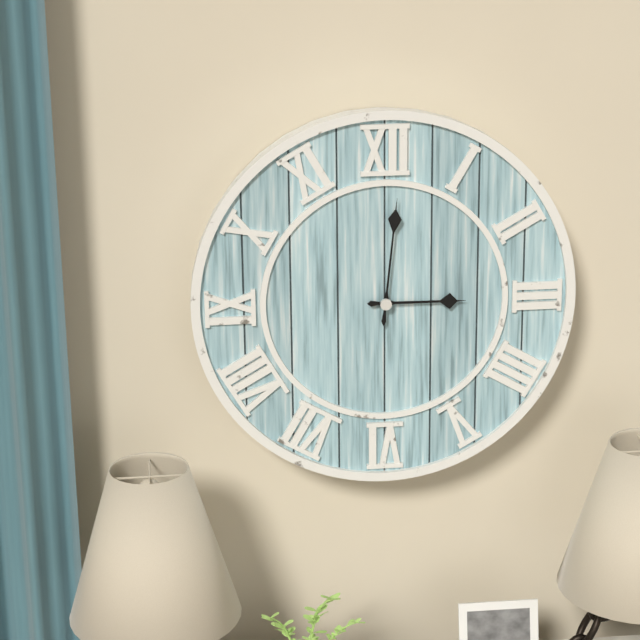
3:01
